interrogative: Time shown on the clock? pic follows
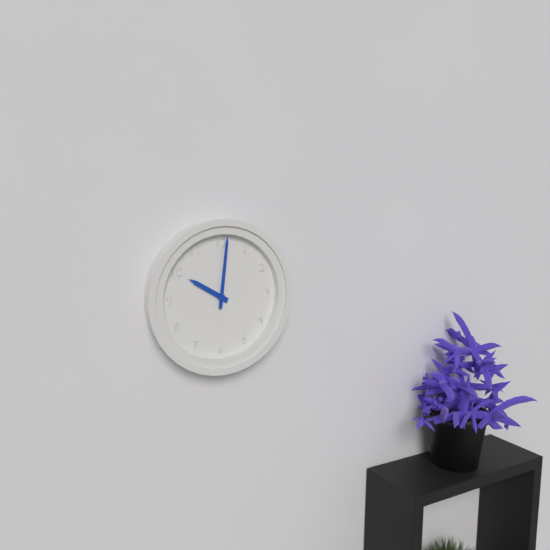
10:01
